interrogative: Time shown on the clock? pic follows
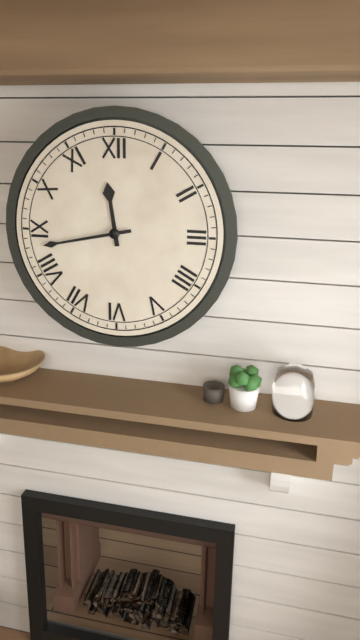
11:43
